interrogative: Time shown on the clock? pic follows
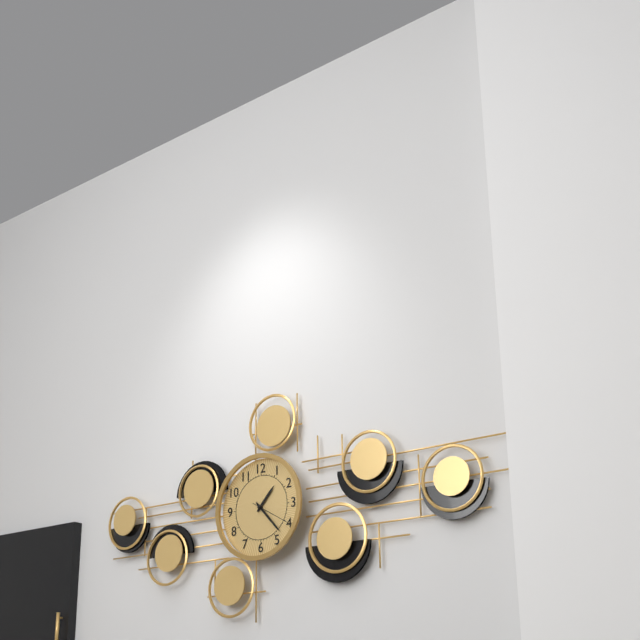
1:23
